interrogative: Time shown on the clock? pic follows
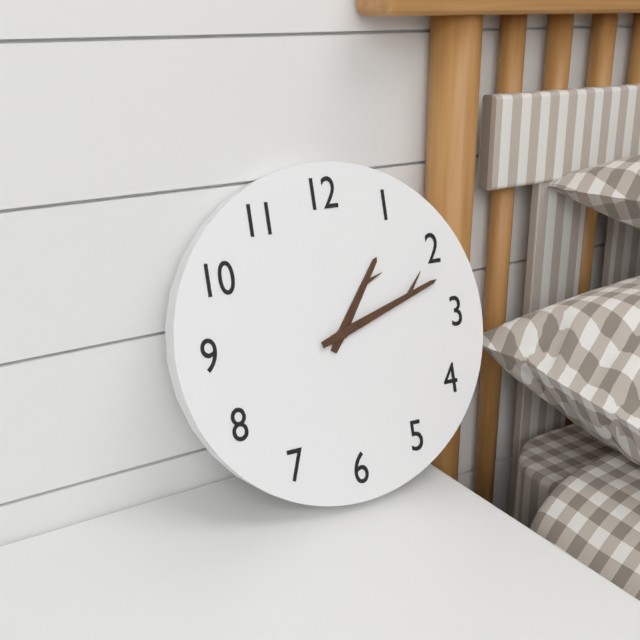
1:12
